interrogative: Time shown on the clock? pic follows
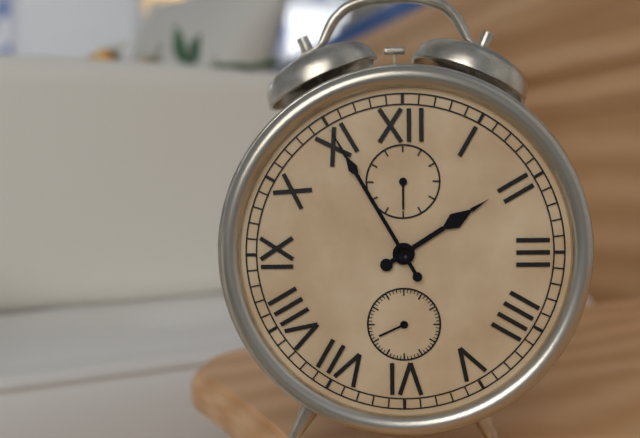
1:55
